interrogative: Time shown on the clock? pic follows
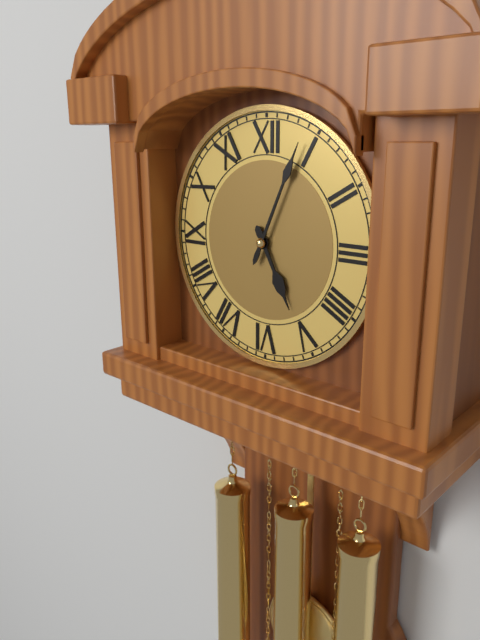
5:04
